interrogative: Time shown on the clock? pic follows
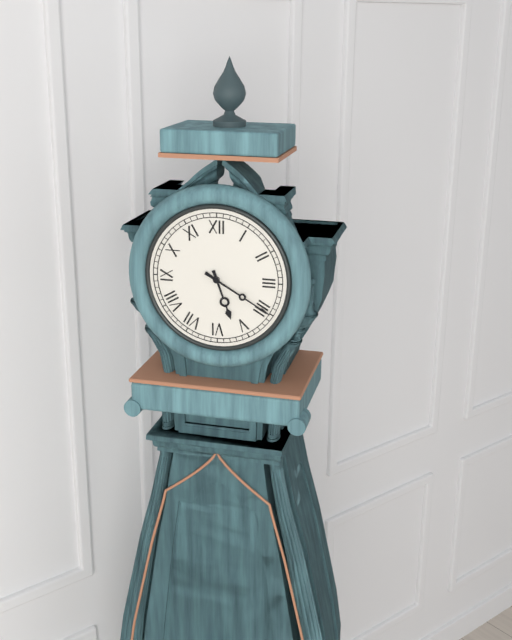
5:20
